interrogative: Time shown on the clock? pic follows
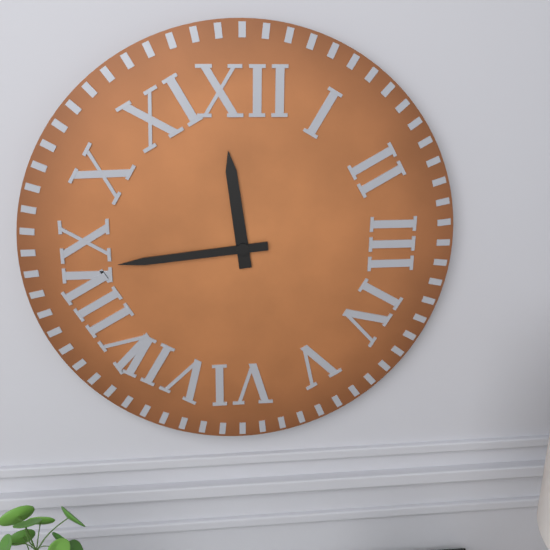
11:44
